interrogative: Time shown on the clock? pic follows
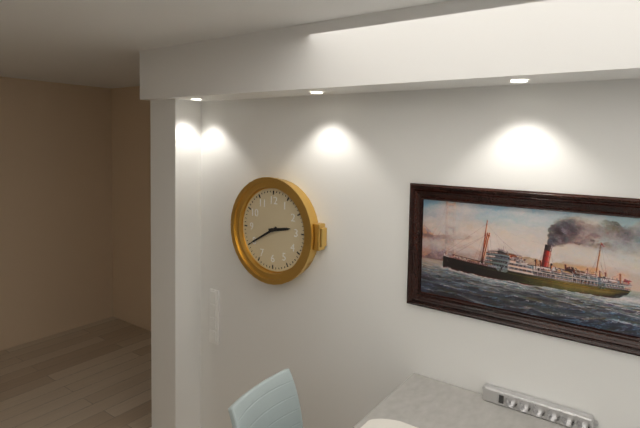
2:40
